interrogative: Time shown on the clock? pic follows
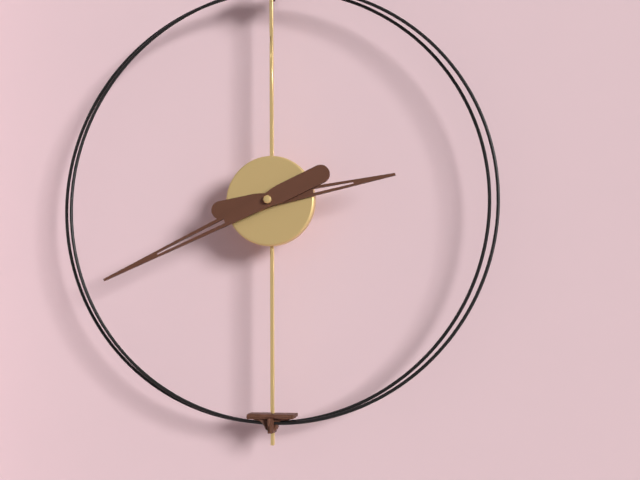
2:41
